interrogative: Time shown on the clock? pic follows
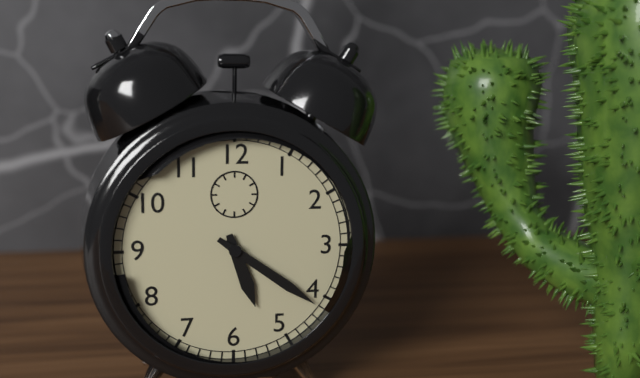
5:21
